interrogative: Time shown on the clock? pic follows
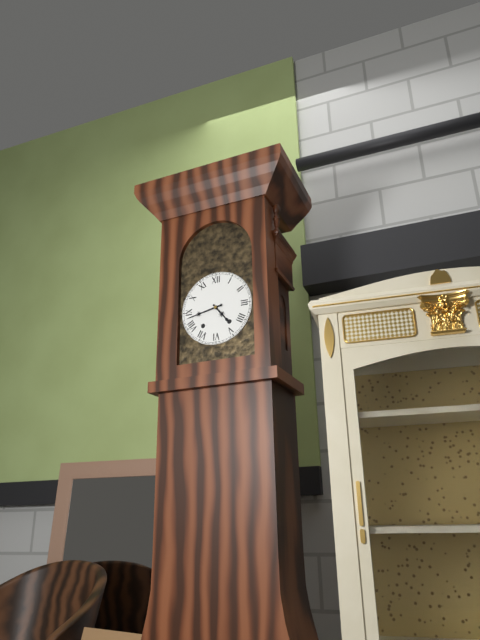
4:43
